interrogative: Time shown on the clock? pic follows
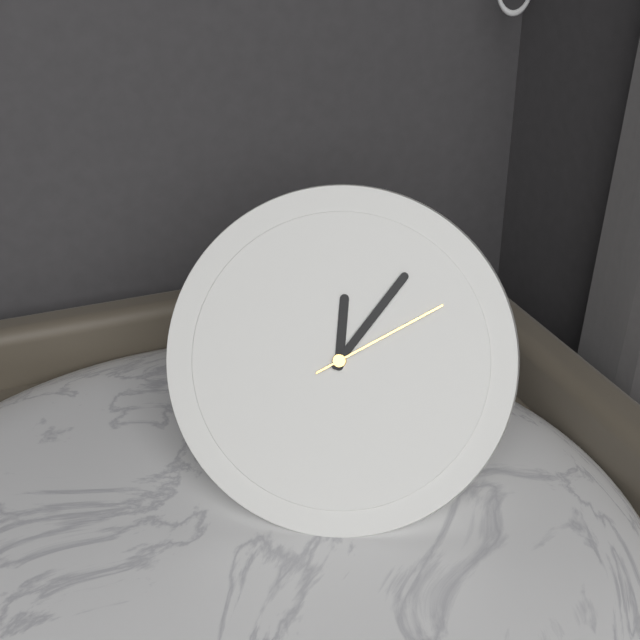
12:06:10
